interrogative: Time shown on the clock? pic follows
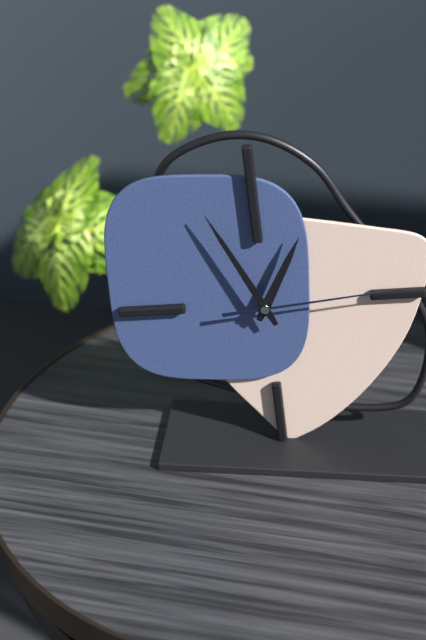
12:56:14
